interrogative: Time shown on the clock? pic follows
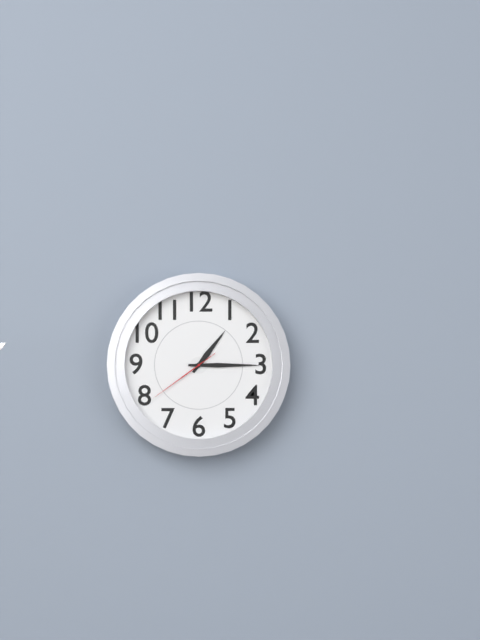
1:15:39
